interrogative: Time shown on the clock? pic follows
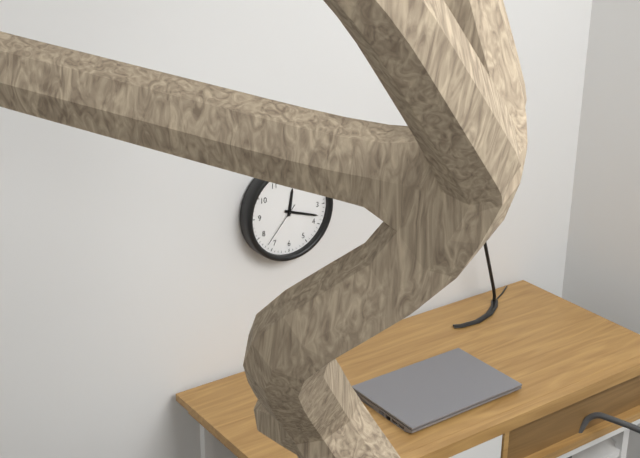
12:18
